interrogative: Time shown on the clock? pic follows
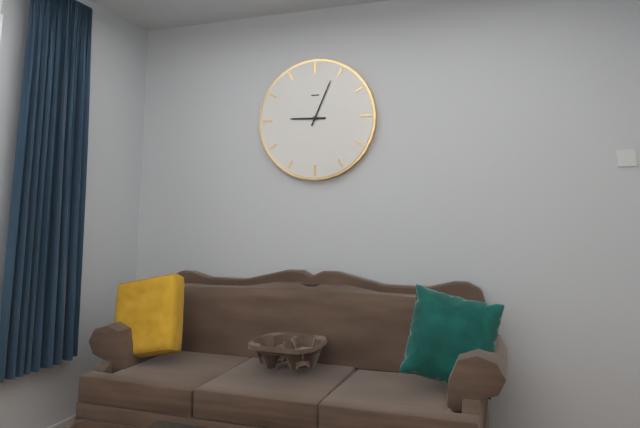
9:04
